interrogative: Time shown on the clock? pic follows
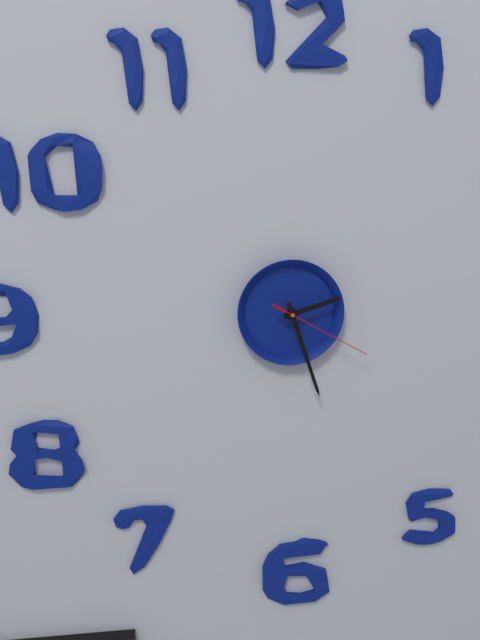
2:27:20
